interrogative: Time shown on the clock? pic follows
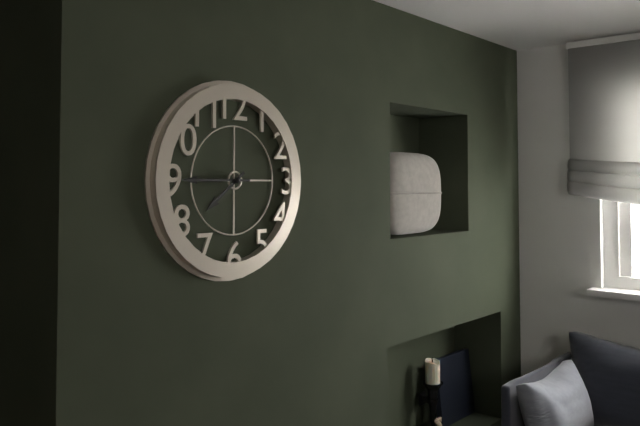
7:45
